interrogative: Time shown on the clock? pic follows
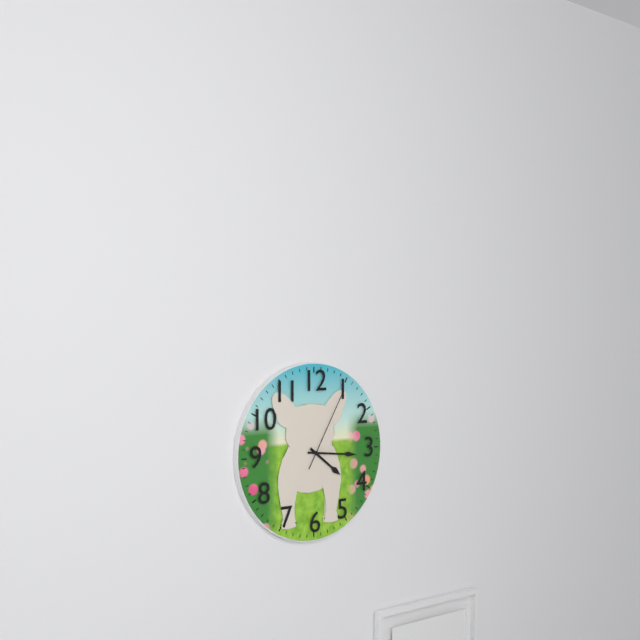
4:16:05
